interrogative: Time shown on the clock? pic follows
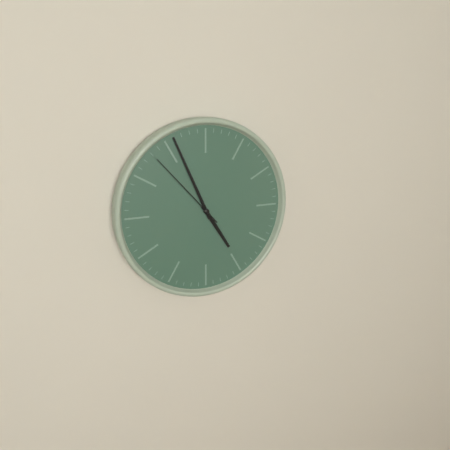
4:56:53
